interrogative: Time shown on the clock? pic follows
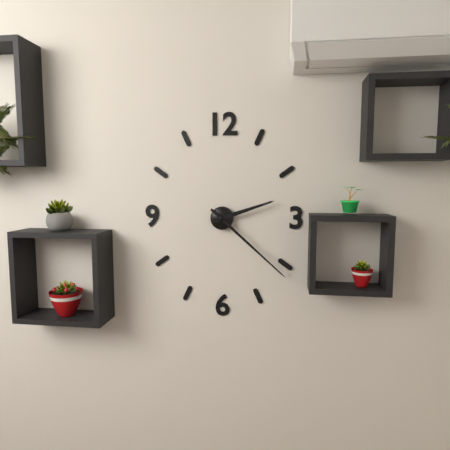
2:22
